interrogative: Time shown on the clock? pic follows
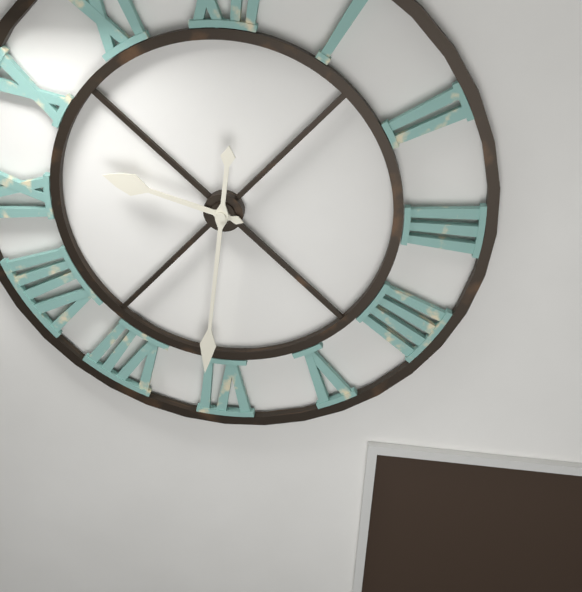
9:31
